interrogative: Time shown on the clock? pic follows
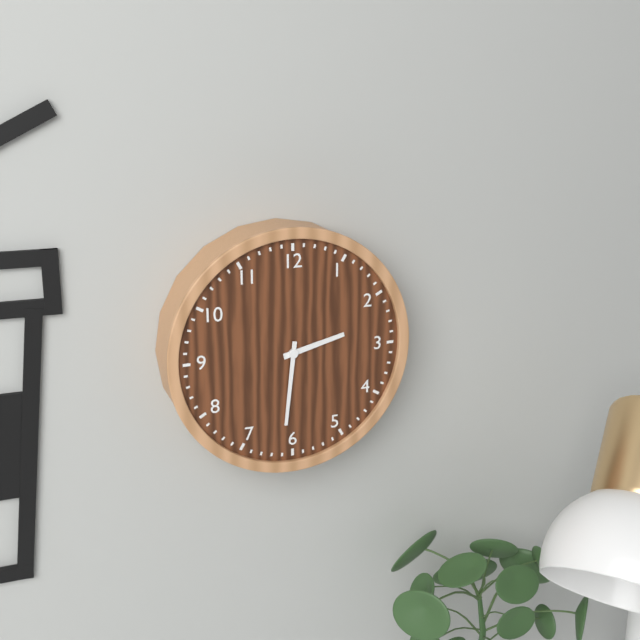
2:31
